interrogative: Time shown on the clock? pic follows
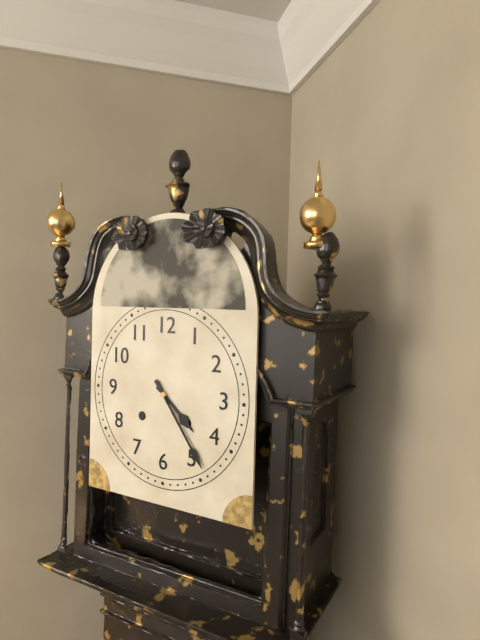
4:24
